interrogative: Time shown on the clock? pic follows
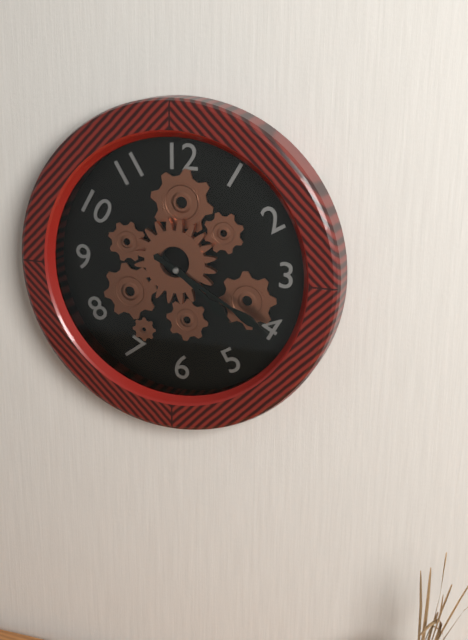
4:20
